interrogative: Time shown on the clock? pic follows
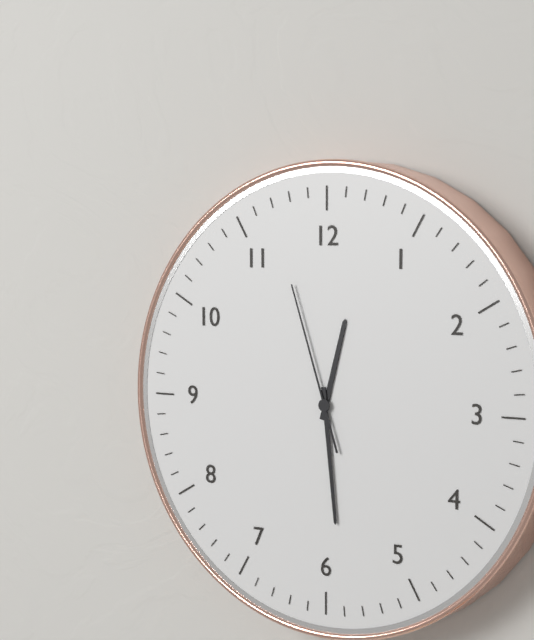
12:29:57
